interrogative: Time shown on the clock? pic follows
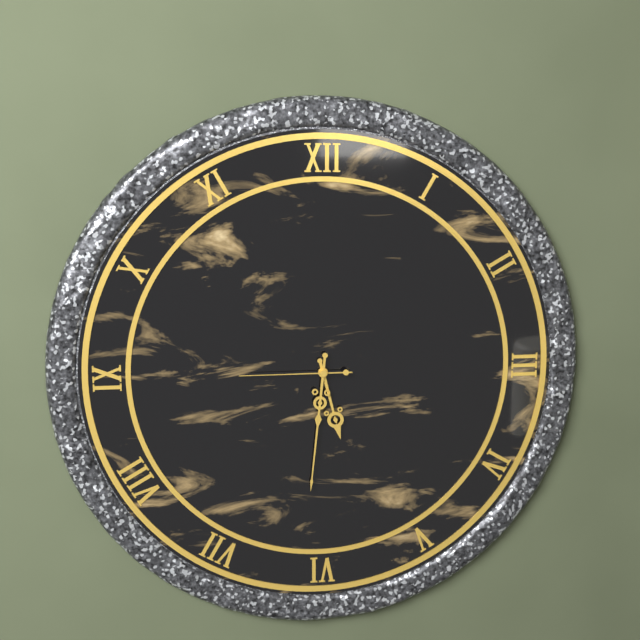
5:31:45
